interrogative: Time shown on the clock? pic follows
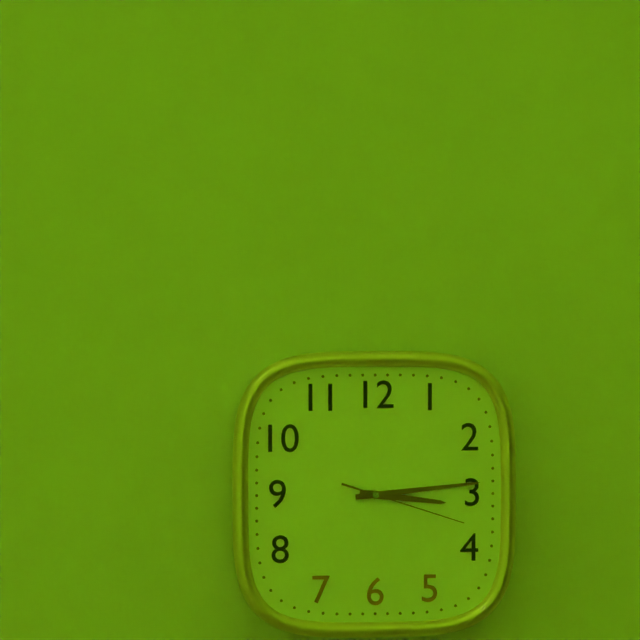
3:14:18
